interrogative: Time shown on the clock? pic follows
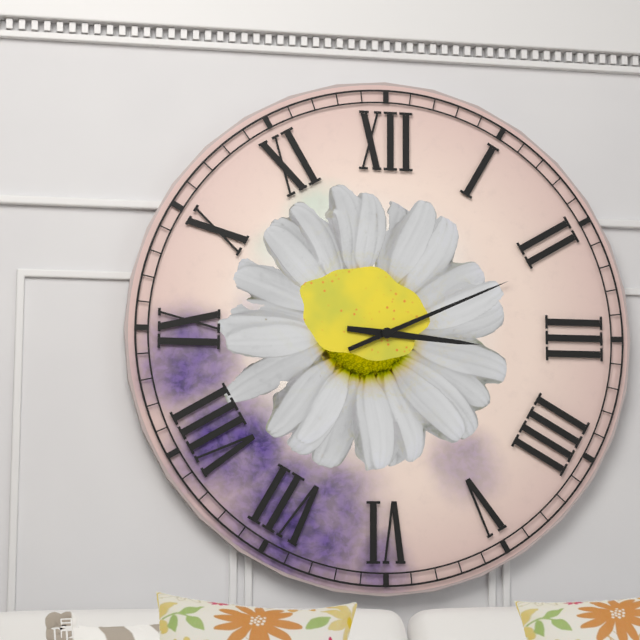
3:11
